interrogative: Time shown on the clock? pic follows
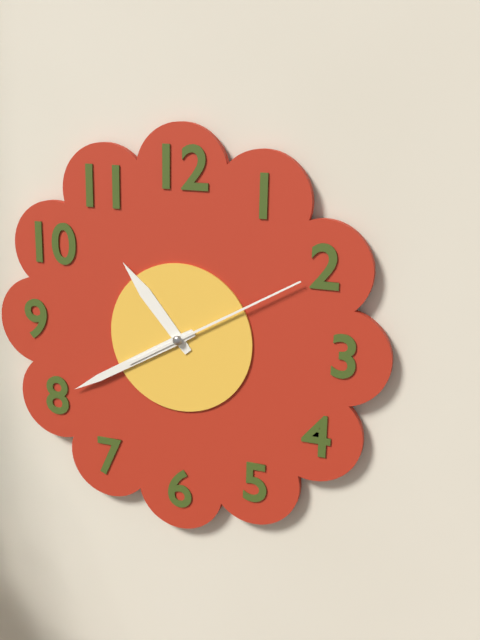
10:40:10
